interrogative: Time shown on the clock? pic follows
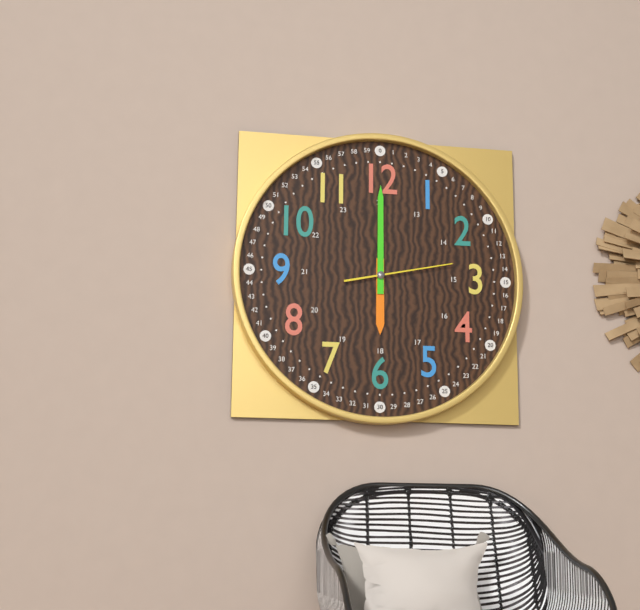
6:00:13
